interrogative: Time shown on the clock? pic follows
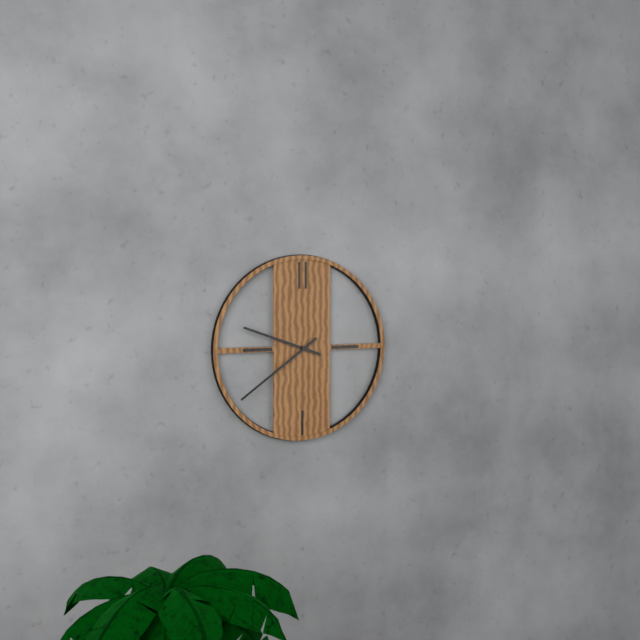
9:39
